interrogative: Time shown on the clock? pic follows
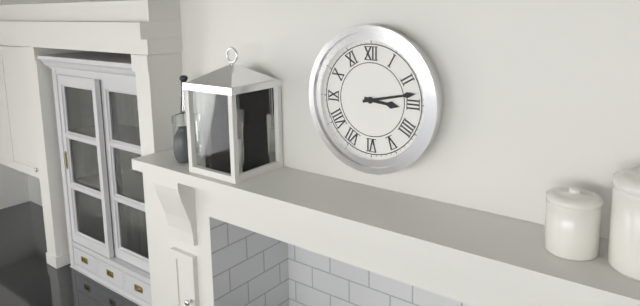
3:13
